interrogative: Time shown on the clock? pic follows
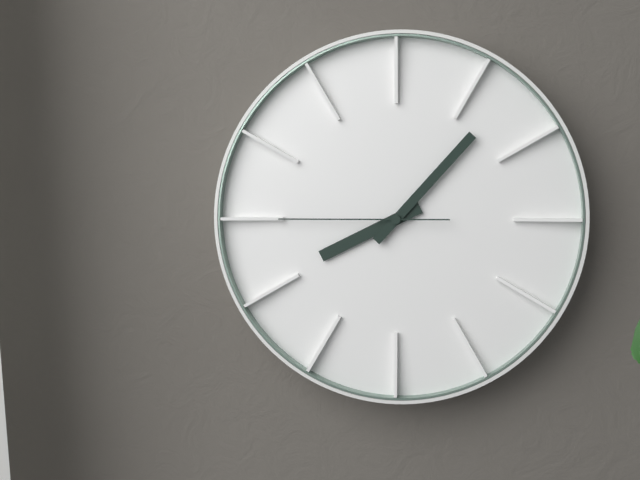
8:07:45
